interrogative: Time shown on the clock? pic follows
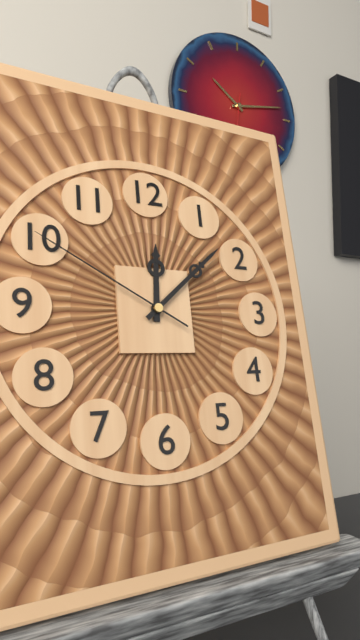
12:08:50
